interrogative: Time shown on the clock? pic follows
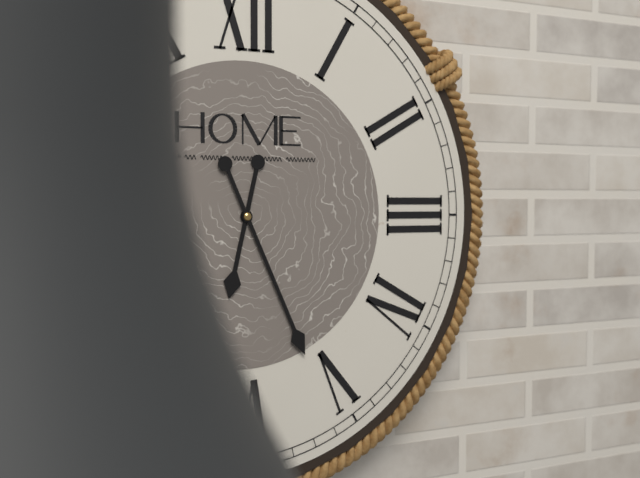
6:26
